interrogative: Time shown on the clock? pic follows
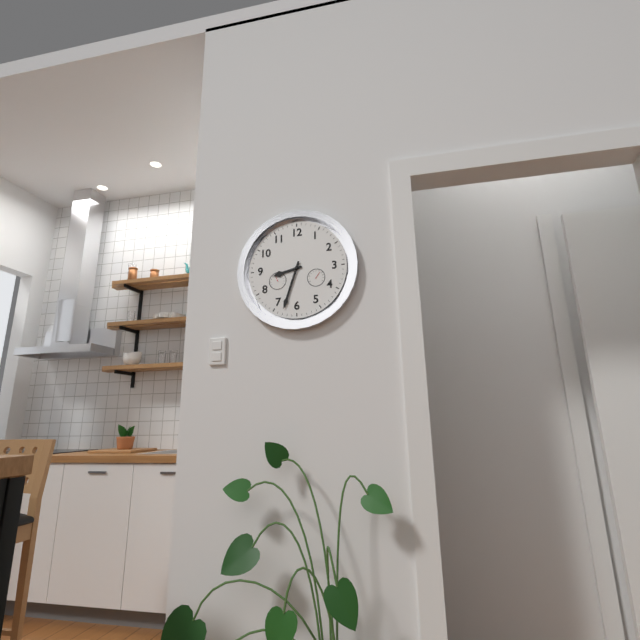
8:33
